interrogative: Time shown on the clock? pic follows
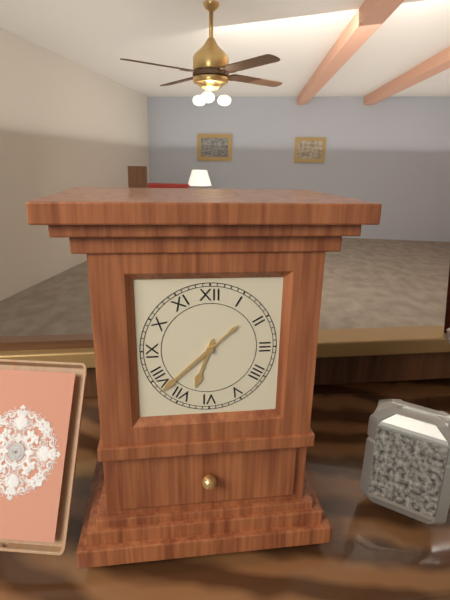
6:38
